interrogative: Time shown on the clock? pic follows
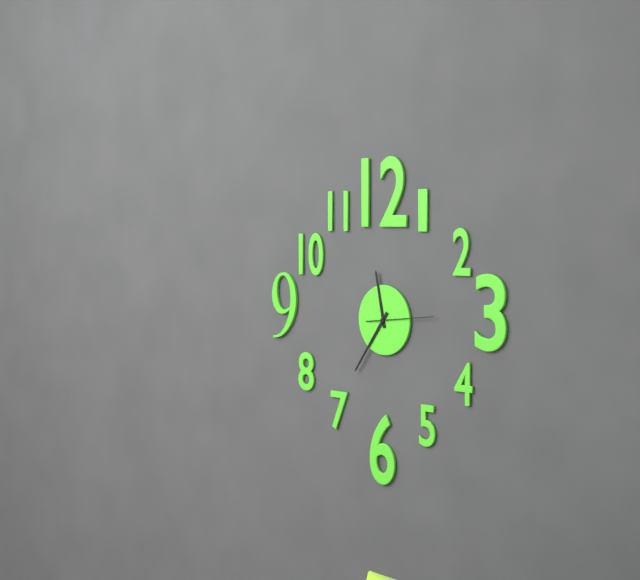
11:36:14
